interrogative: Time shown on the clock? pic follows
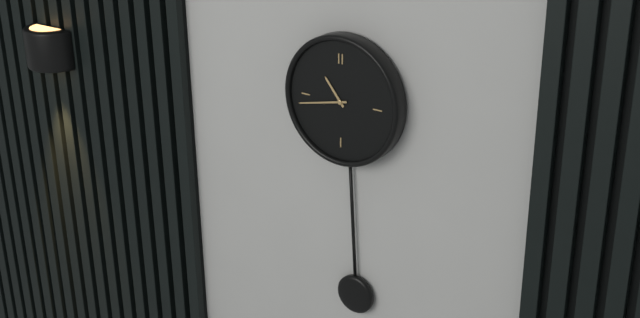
10:43
